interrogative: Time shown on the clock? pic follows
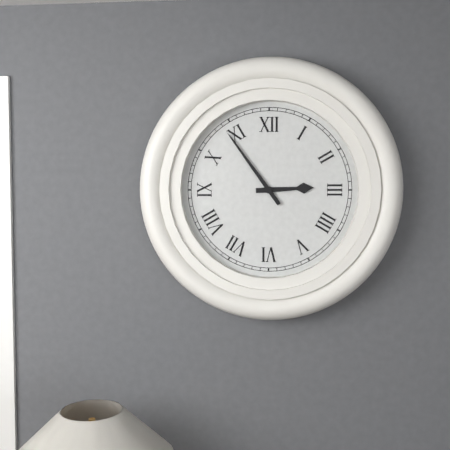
2:54
